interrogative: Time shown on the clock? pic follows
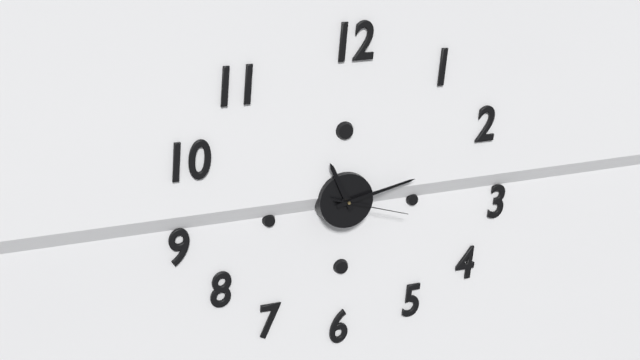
11:13:18
